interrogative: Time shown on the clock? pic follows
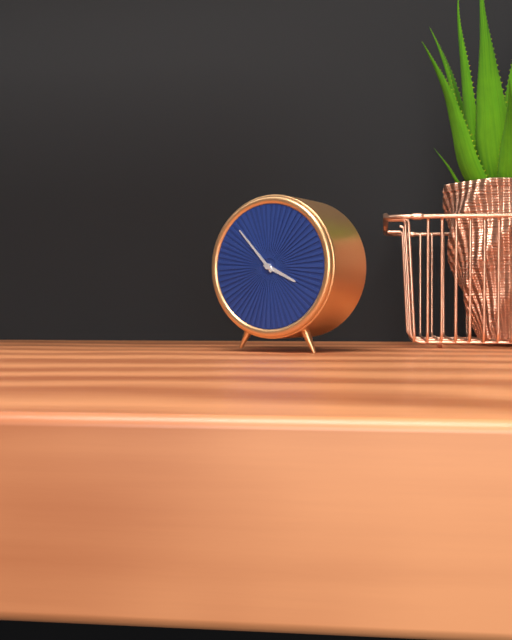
3:53
